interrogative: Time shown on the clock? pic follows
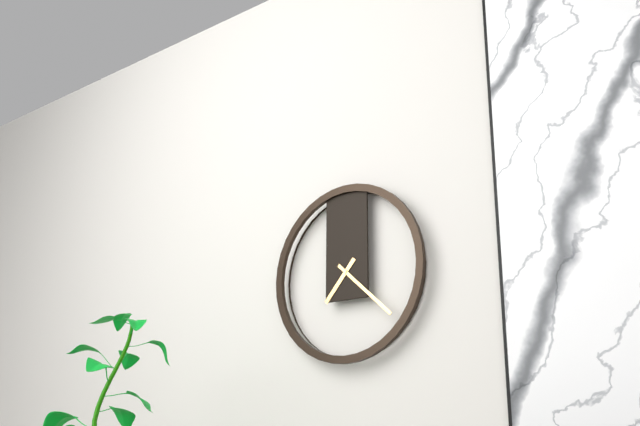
7:22
